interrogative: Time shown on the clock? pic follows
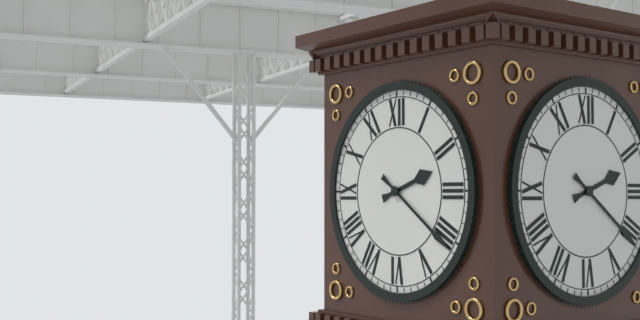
2:21
